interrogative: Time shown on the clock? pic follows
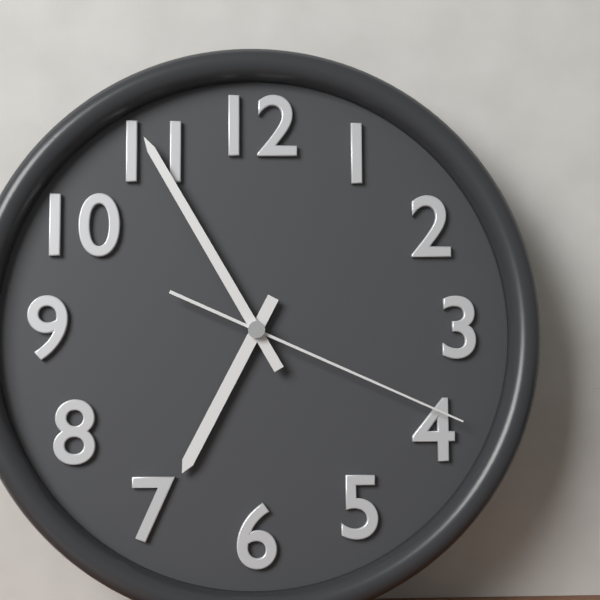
6:55:19
